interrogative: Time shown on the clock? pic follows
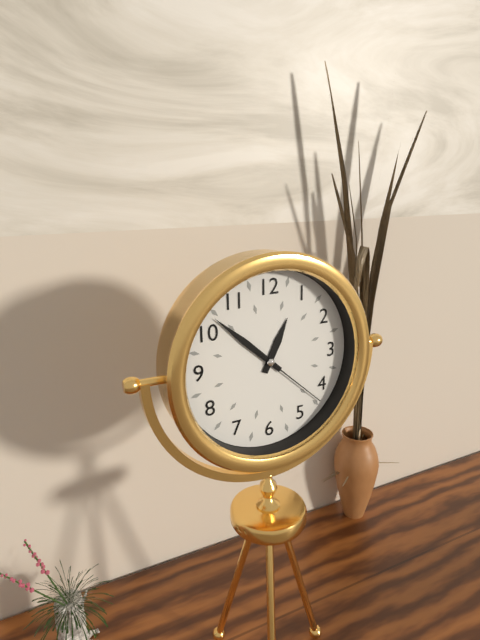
12:52:22
